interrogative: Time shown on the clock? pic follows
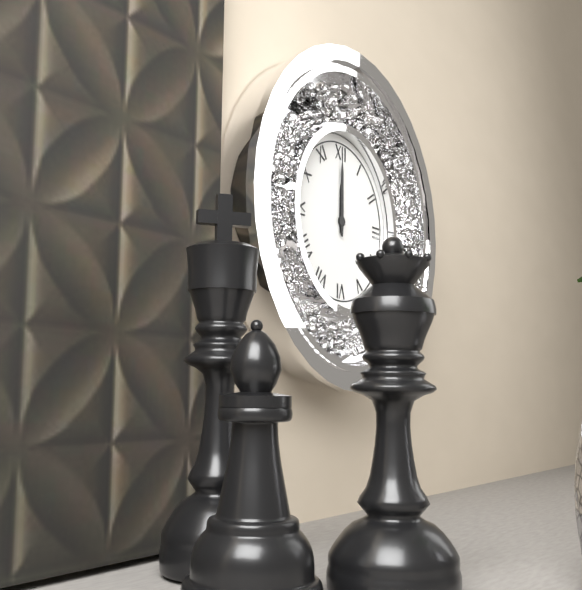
12:00
